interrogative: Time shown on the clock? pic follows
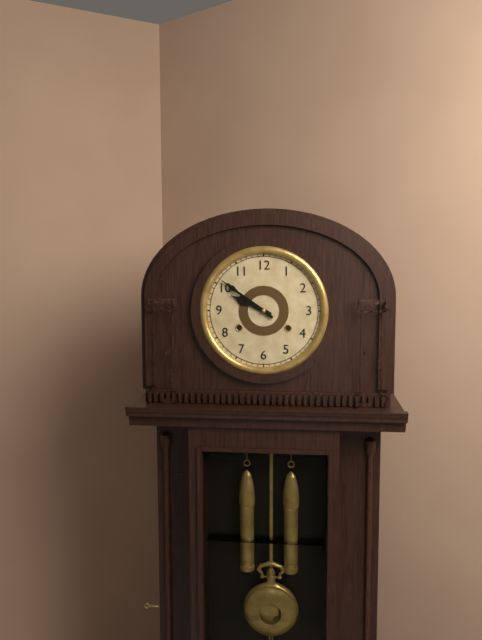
9:51
